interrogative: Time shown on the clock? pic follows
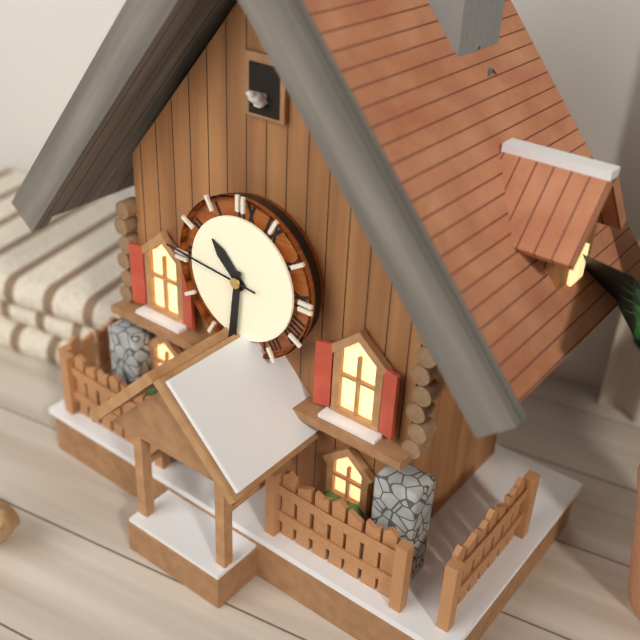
10:31:46
